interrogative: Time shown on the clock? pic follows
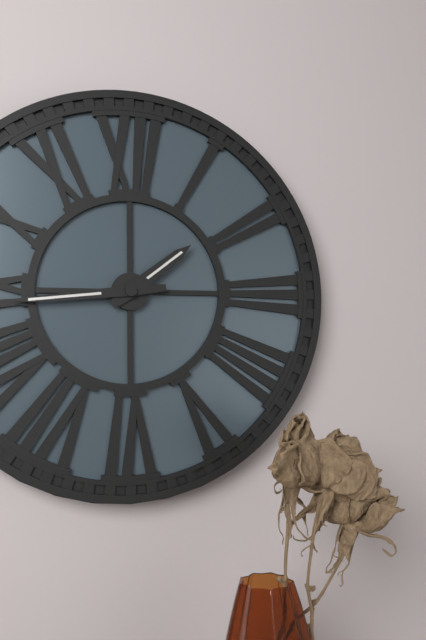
1:44
